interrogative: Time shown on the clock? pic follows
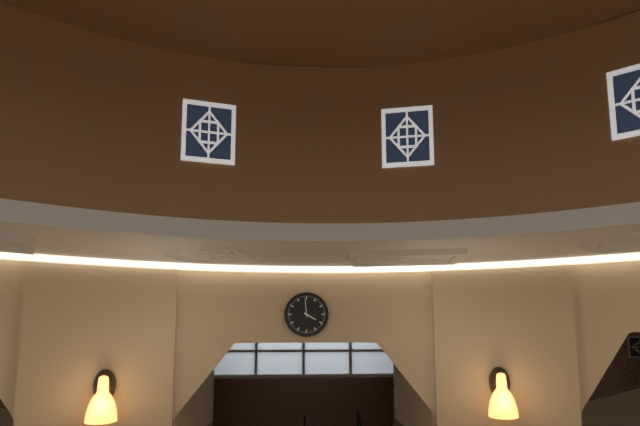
3:59
